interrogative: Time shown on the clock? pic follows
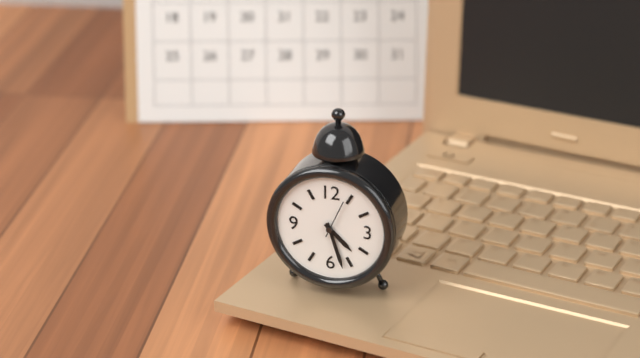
4:27
